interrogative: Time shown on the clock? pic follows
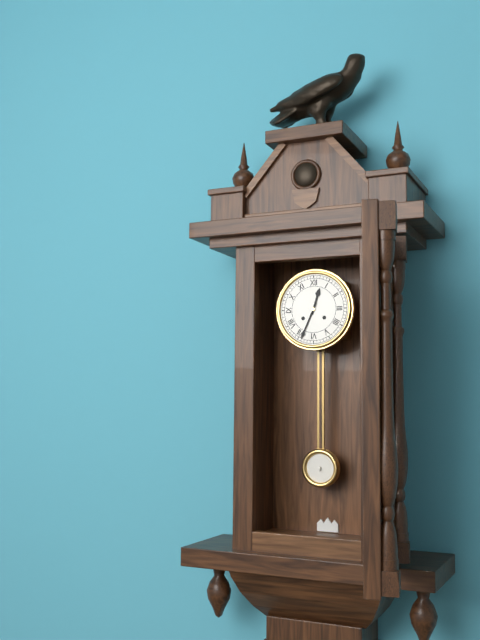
12:34
